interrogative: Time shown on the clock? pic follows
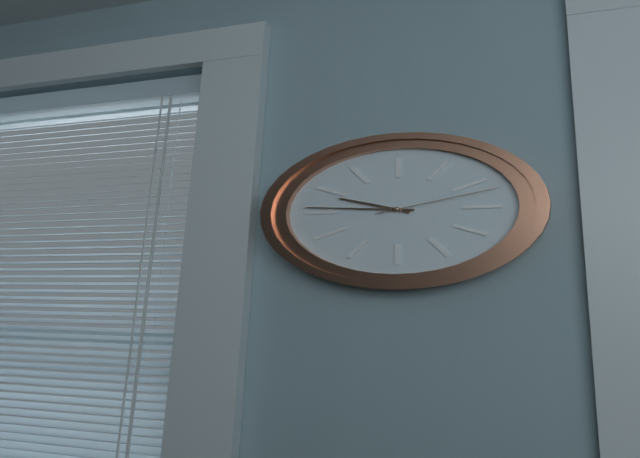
9:46:12
